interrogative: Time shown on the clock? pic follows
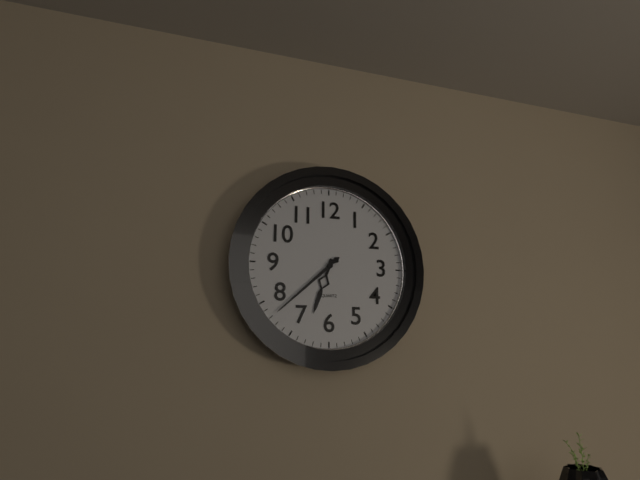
6:38
